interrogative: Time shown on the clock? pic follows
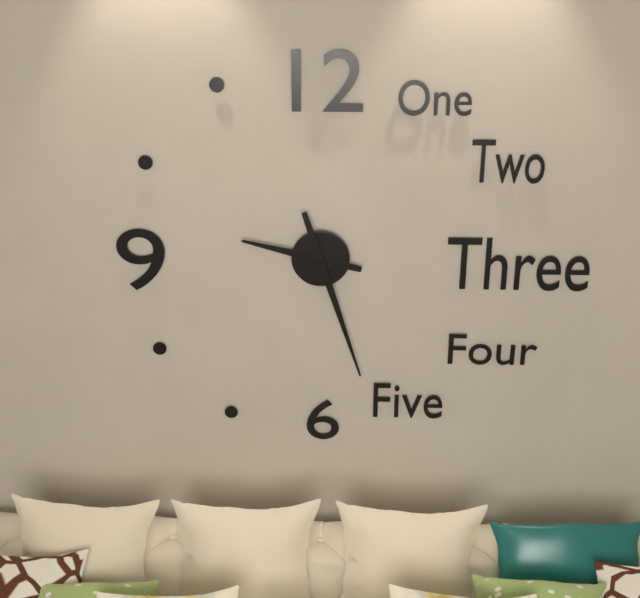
9:27
